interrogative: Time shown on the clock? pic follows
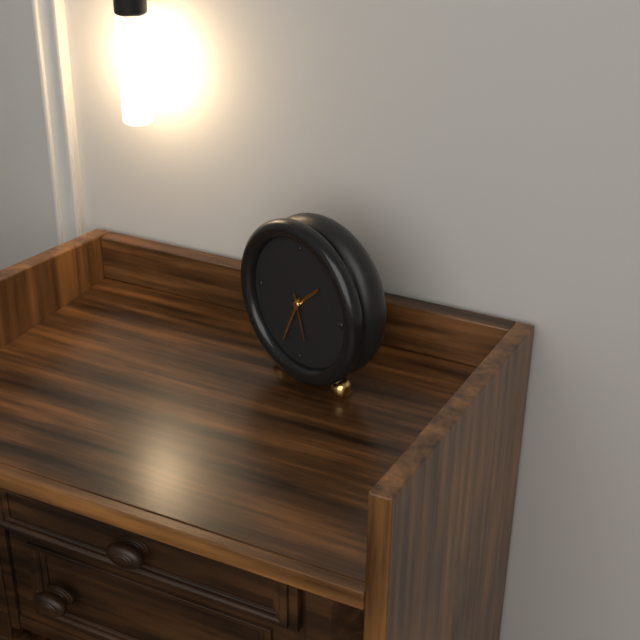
1:34
